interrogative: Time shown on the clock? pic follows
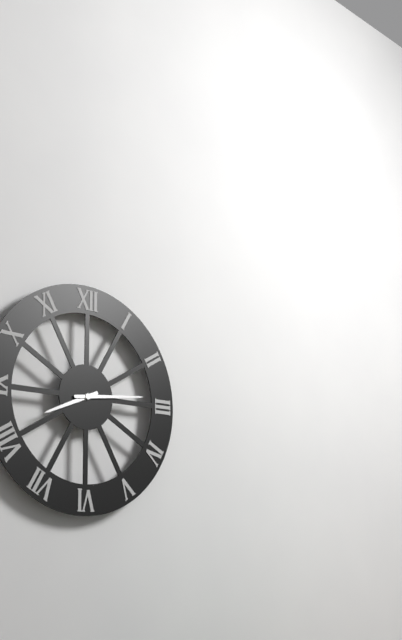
8:14
